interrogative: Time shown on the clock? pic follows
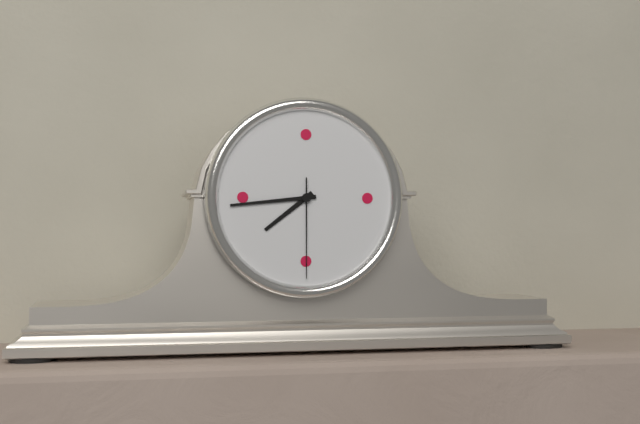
7:44:30
